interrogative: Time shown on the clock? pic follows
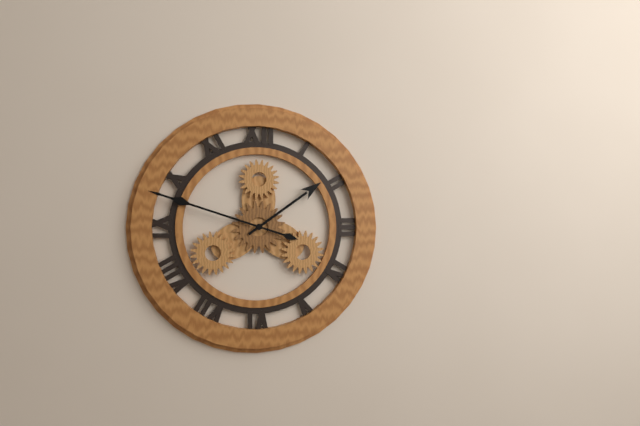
1:48
